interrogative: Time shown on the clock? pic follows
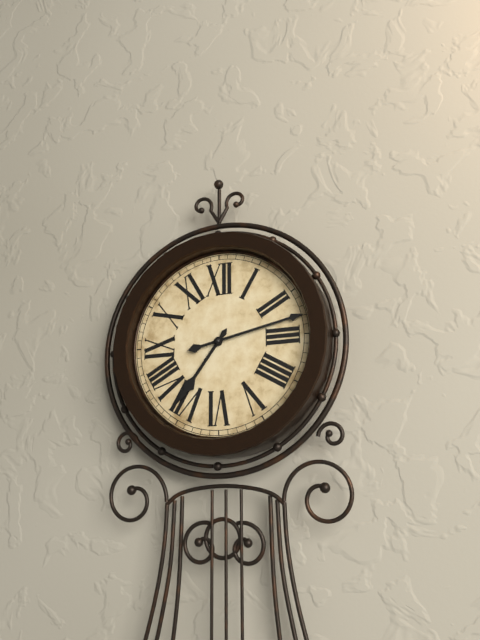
7:13
